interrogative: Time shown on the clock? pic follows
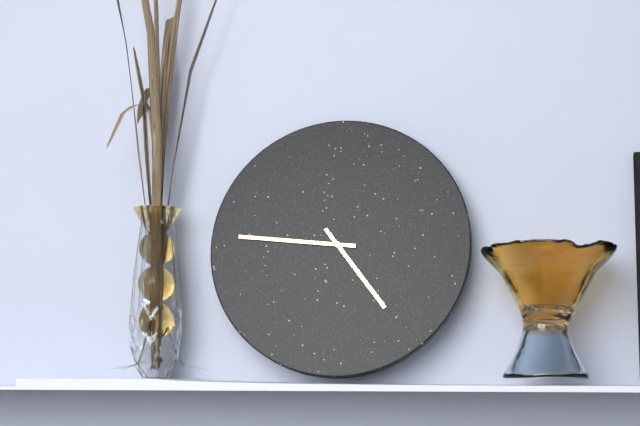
4:46
